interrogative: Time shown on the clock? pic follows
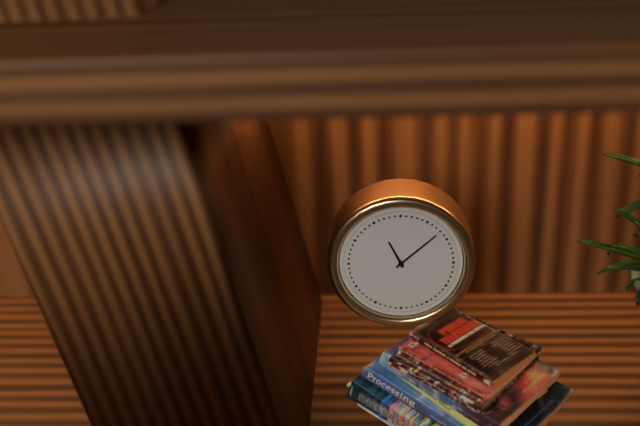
11:08
